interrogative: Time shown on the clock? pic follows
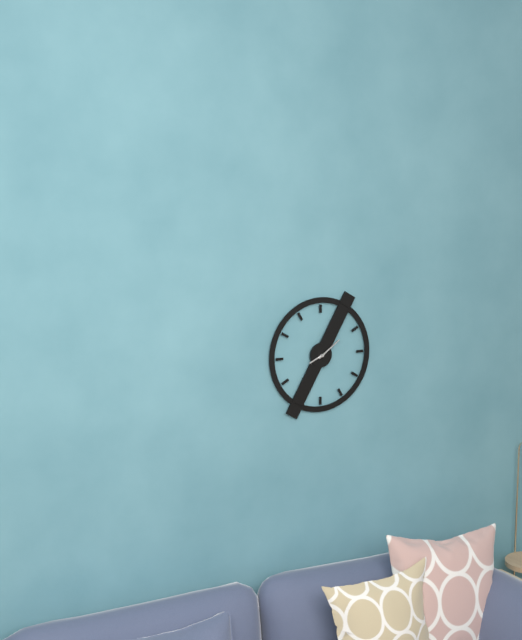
8:09
